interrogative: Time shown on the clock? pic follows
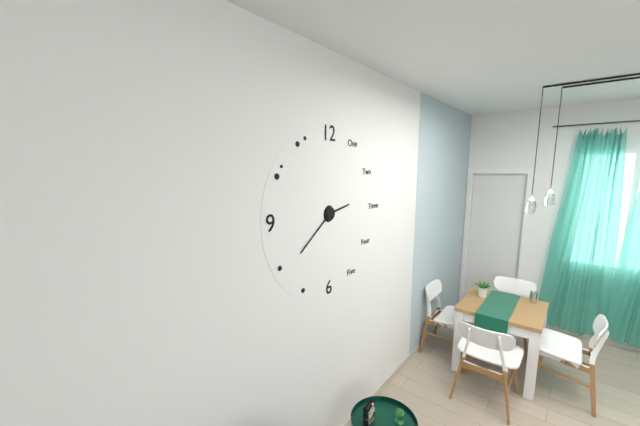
2:39
